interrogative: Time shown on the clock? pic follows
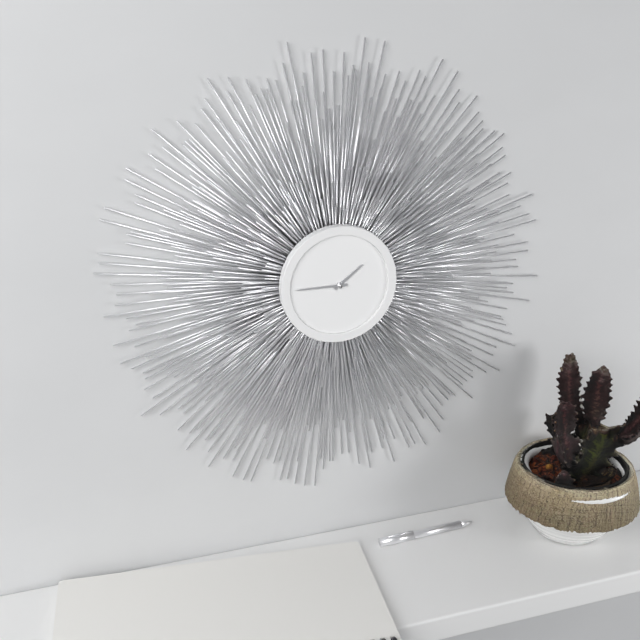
1:45
